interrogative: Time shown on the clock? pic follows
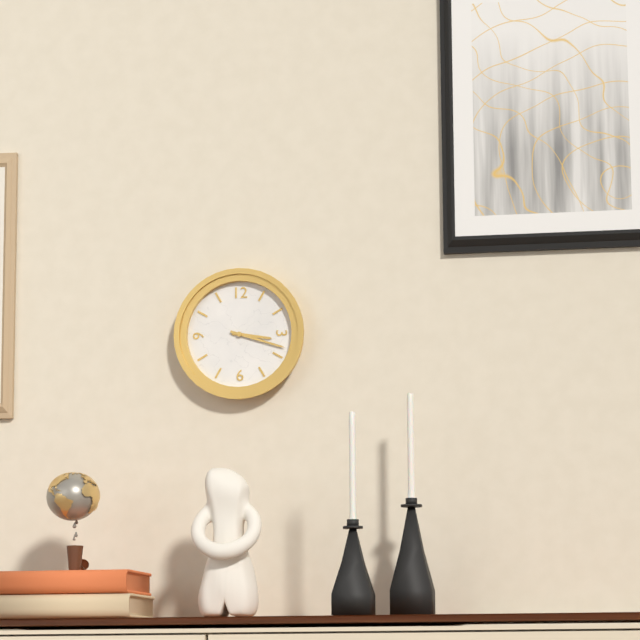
3:18
